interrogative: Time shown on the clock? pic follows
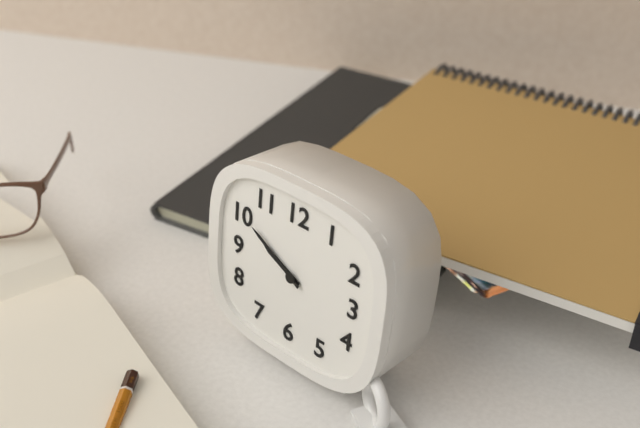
9:50
